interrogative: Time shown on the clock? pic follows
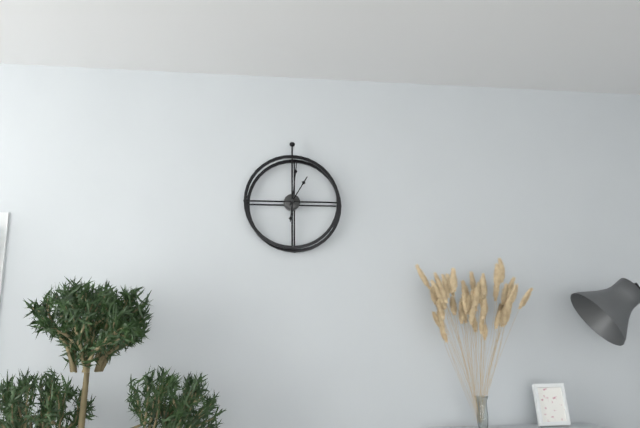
1:01
